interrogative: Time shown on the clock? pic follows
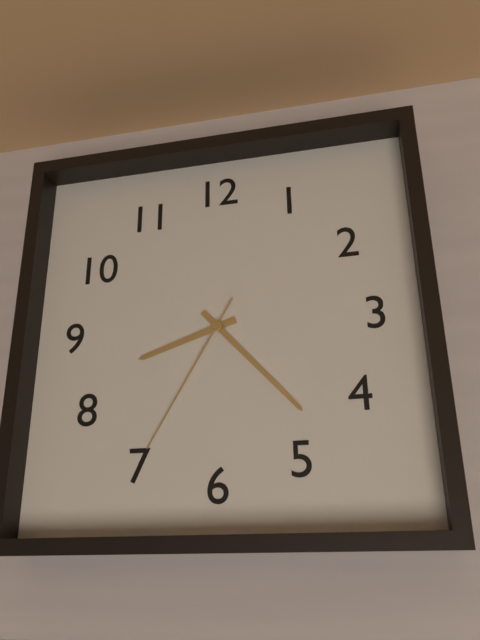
8:23:35
